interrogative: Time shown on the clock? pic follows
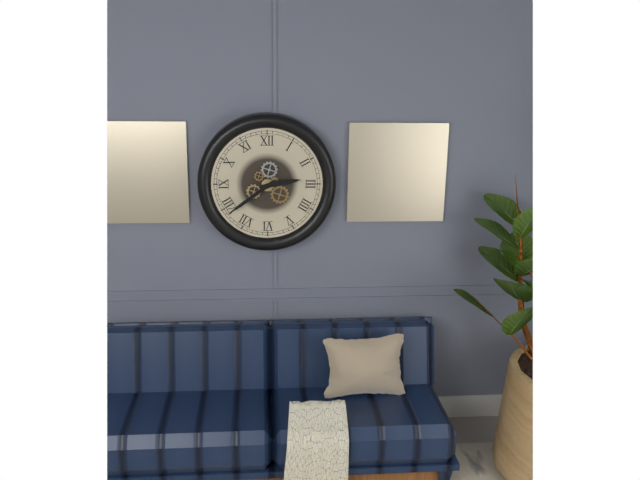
2:39
